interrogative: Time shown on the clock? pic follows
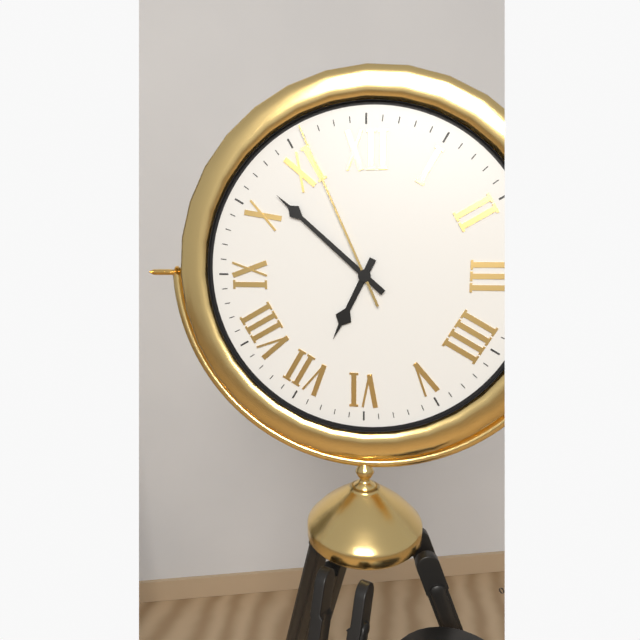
6:52:56
